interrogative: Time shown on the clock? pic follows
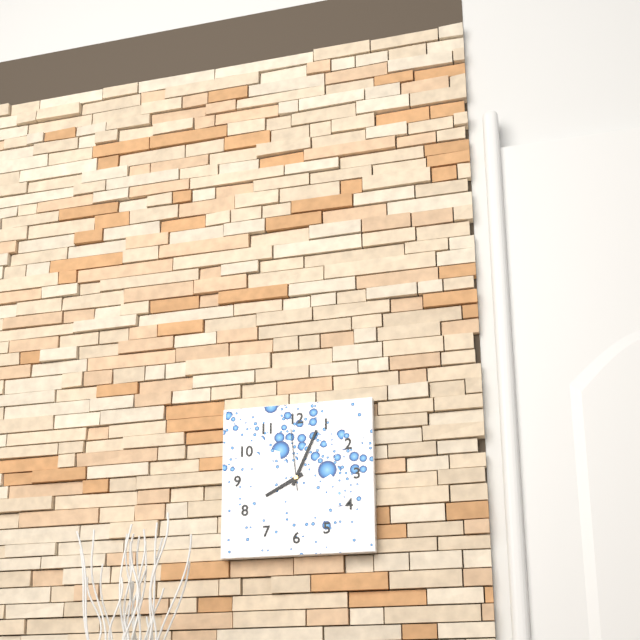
8:04:59
